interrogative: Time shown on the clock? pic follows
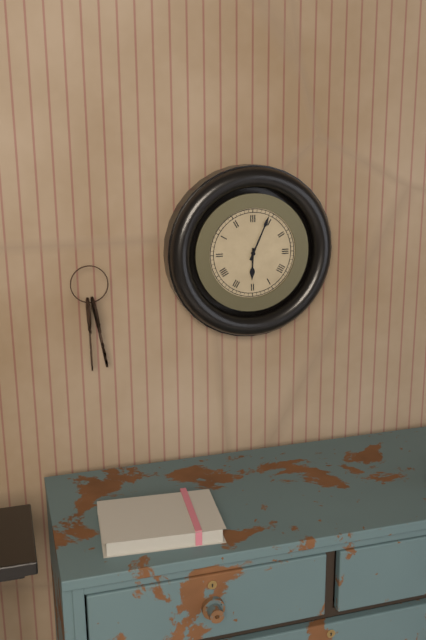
6:04
